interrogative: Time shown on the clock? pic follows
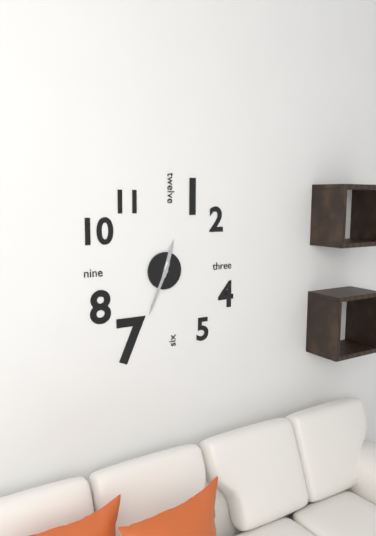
12:34
